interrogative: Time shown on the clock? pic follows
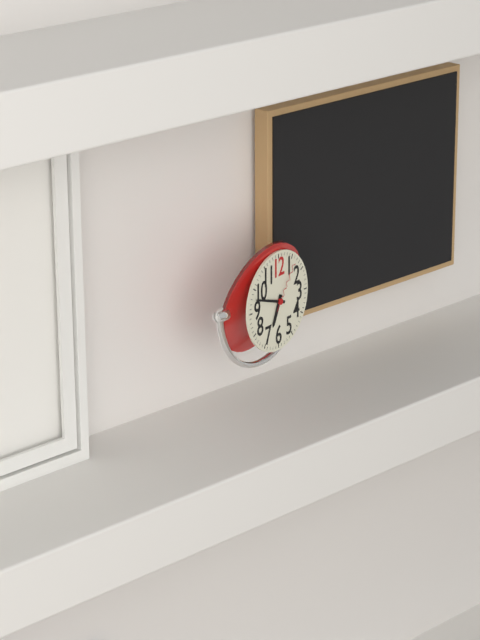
6:48:06
